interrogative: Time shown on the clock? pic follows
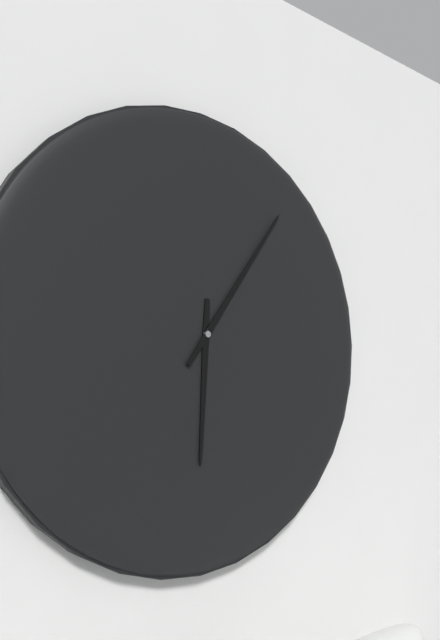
6:06
